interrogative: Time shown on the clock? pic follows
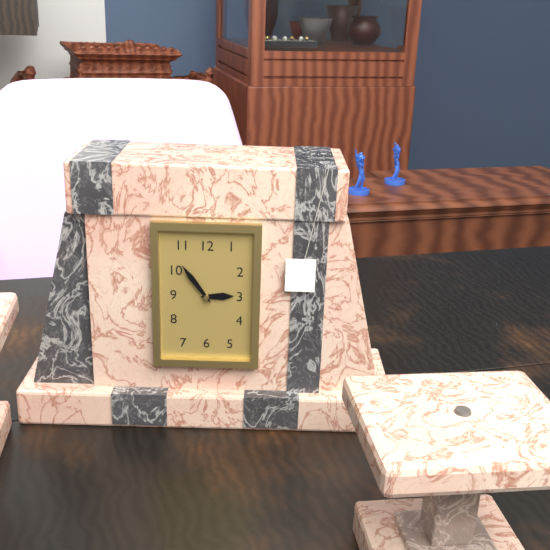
2:54
